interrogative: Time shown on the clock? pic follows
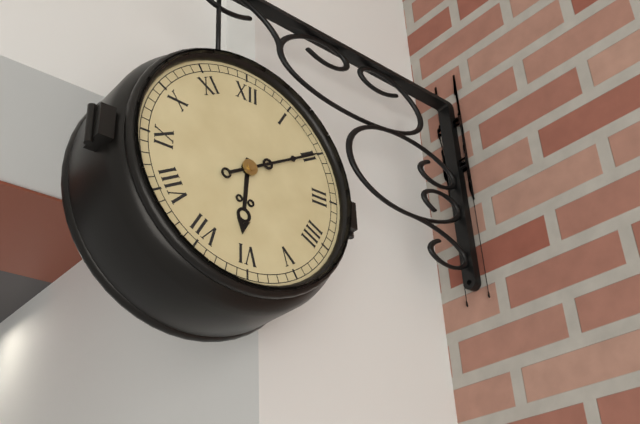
6:10
